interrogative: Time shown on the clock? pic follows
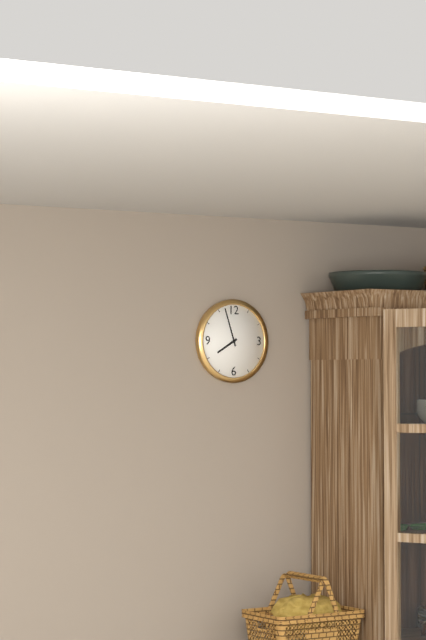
7:57
